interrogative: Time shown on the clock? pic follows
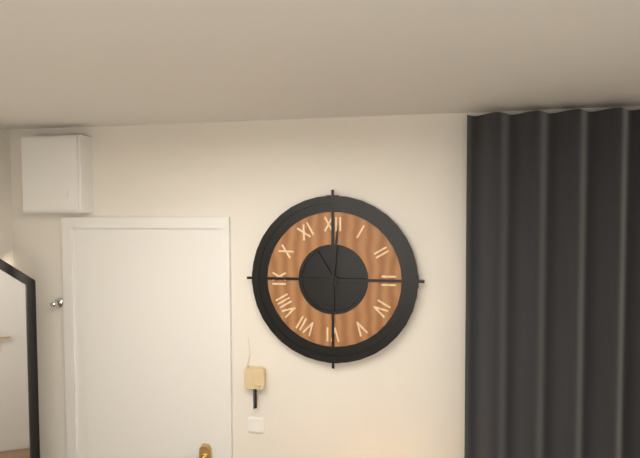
11:01
